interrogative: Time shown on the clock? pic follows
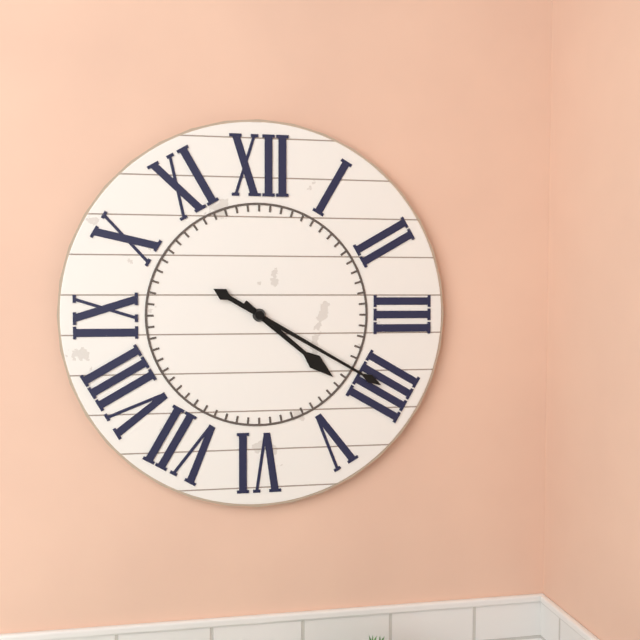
4:20
